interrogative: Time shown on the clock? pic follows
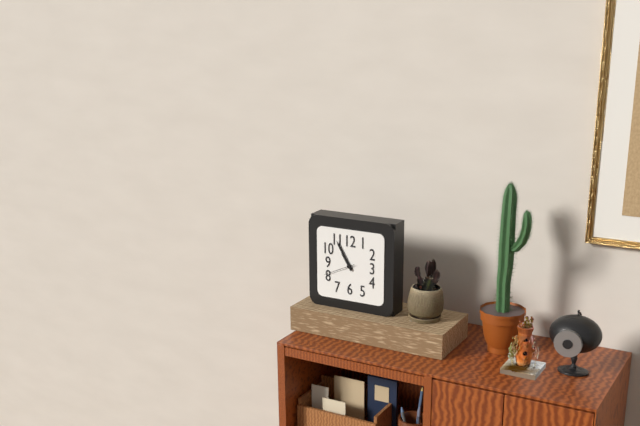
10:55
